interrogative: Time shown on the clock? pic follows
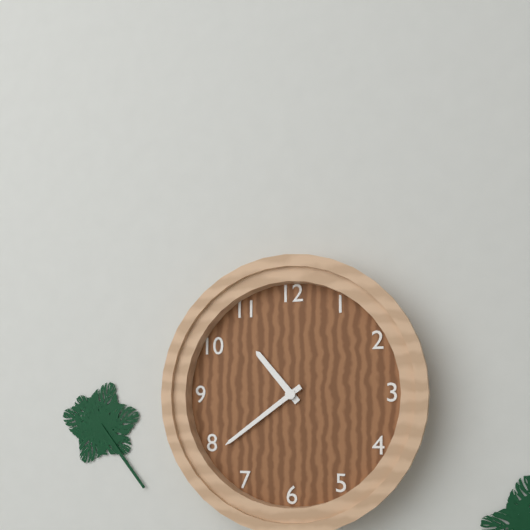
10:39
